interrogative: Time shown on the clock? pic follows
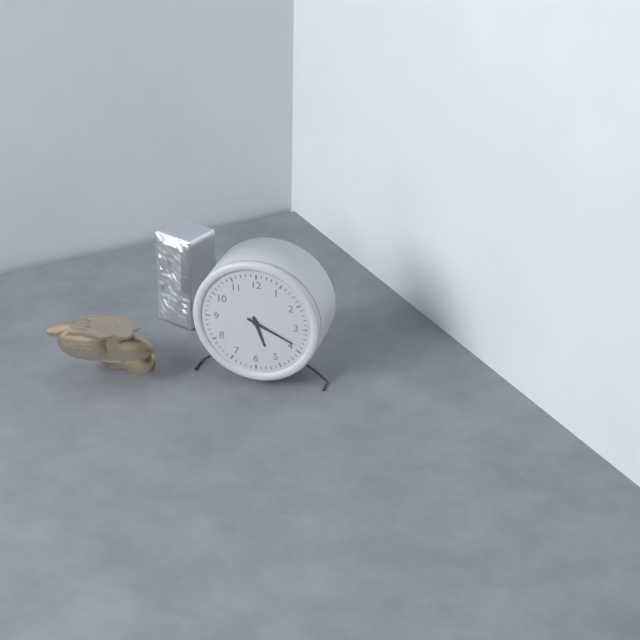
5:19
